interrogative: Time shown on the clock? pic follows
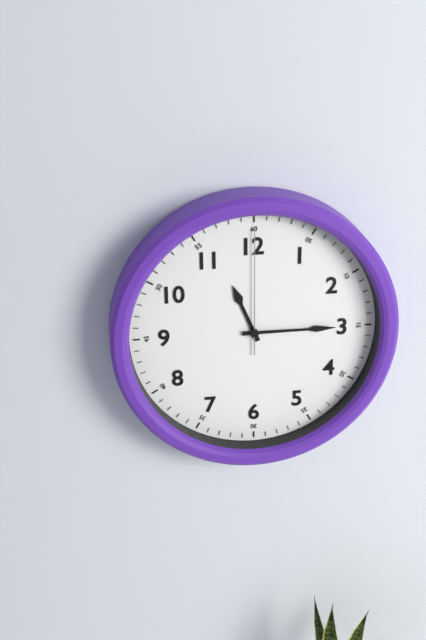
11:15:00
